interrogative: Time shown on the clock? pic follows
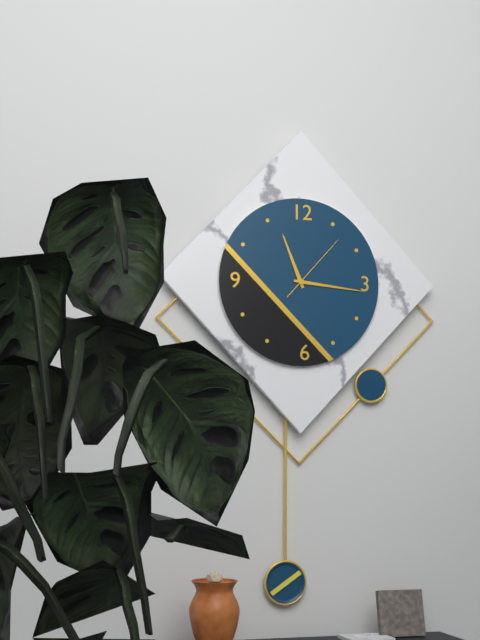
11:16:07
